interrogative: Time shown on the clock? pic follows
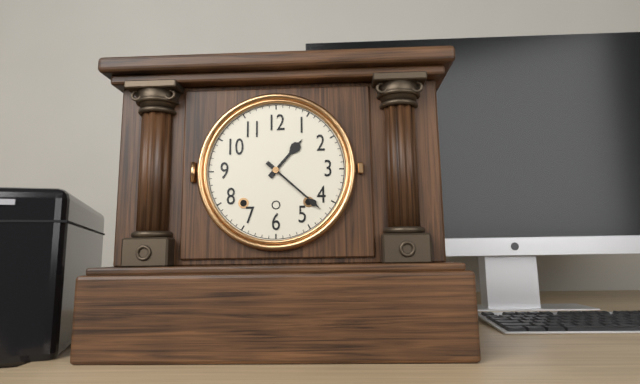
1:22
